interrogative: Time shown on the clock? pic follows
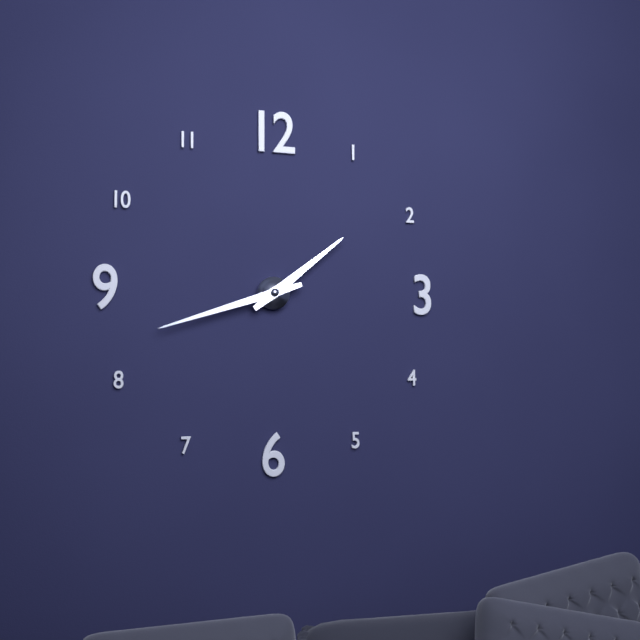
1:42
